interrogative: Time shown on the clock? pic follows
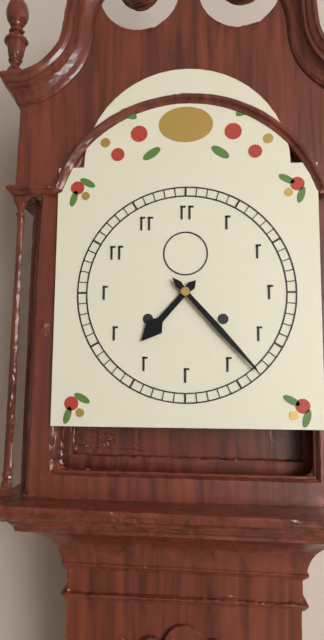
7:23
